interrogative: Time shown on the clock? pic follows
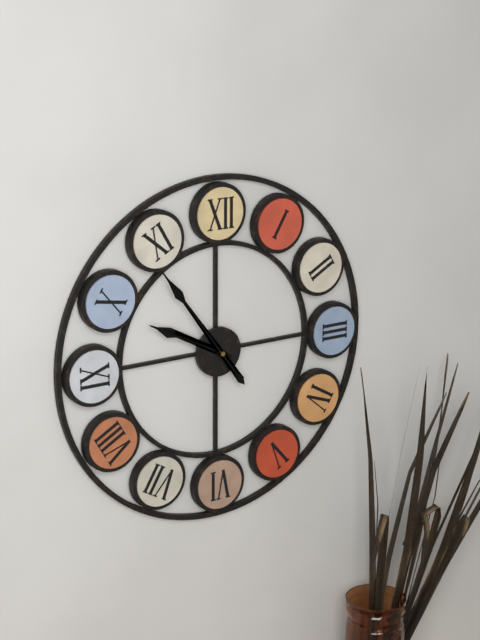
9:54
